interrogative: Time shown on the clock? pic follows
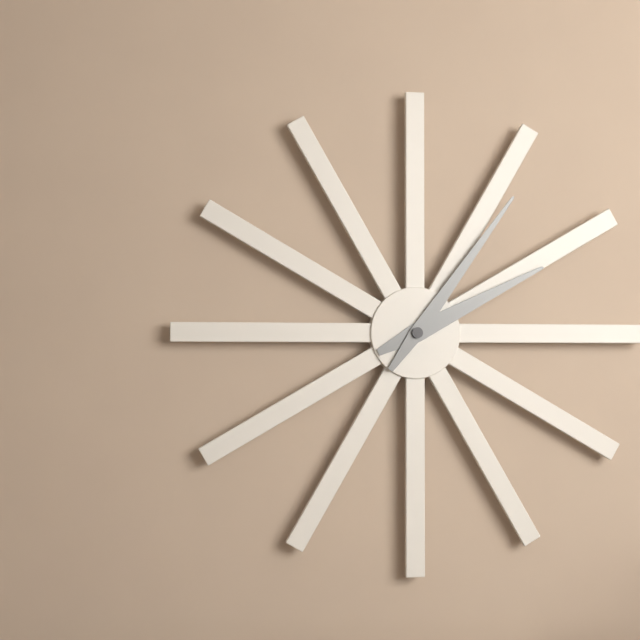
2:06
